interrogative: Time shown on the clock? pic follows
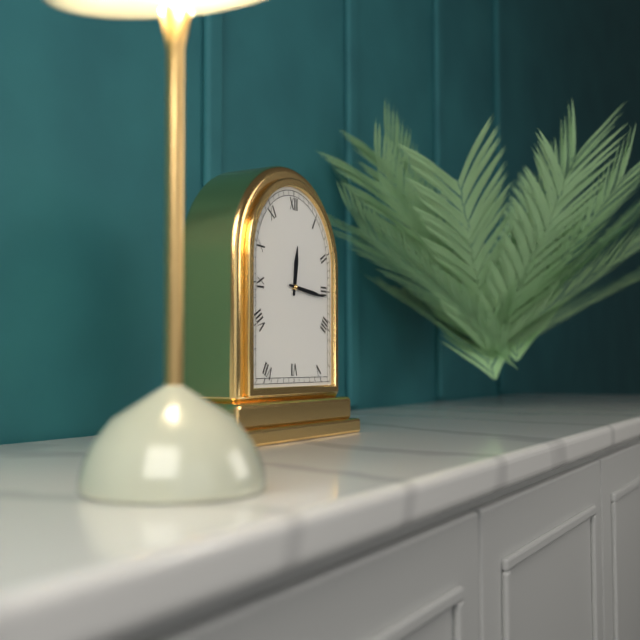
12:16
